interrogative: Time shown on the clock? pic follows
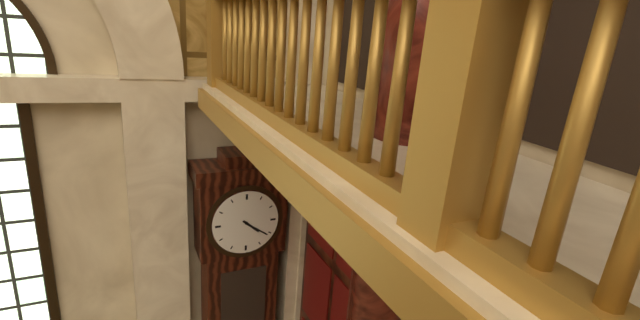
4:21
